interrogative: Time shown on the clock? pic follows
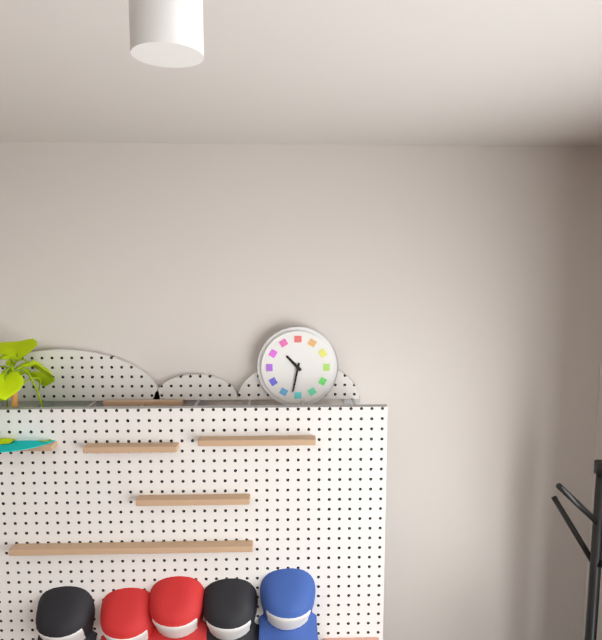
10:32
